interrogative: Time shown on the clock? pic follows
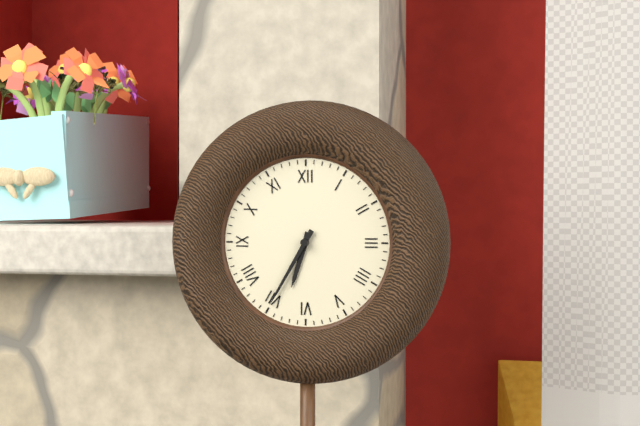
6:35
